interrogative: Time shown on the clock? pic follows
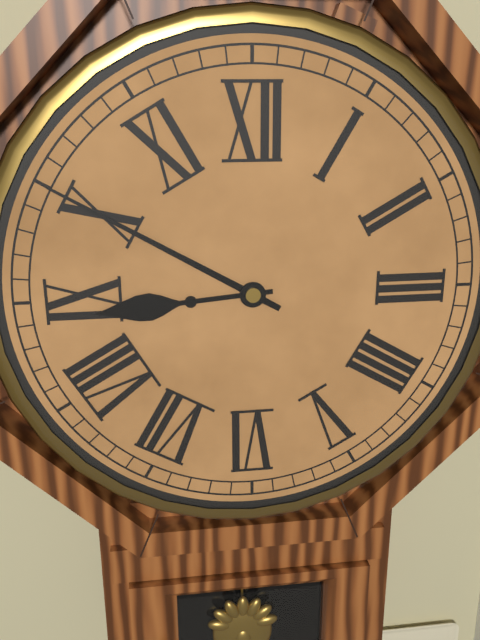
8:50
